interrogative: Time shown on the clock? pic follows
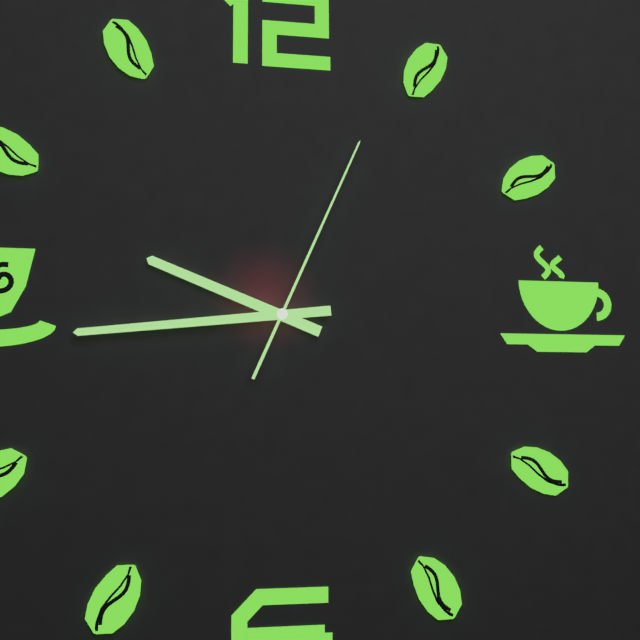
9:44:04
